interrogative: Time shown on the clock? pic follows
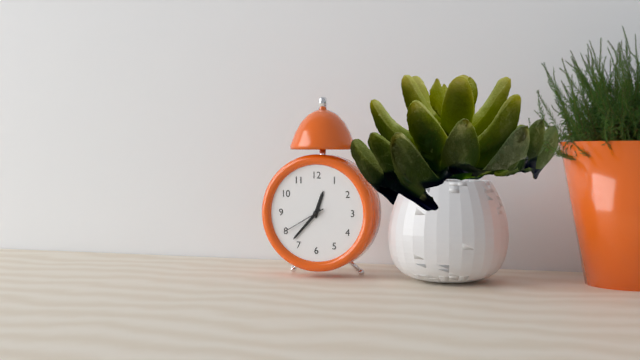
12:37
